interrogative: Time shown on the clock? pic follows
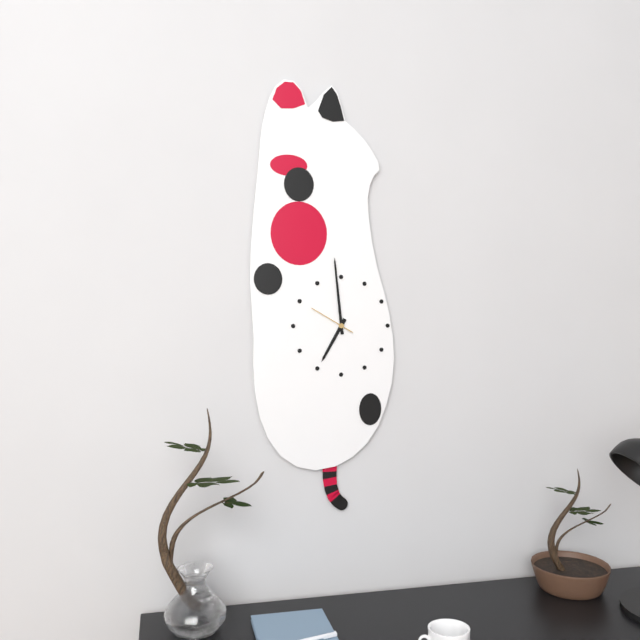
6:59
